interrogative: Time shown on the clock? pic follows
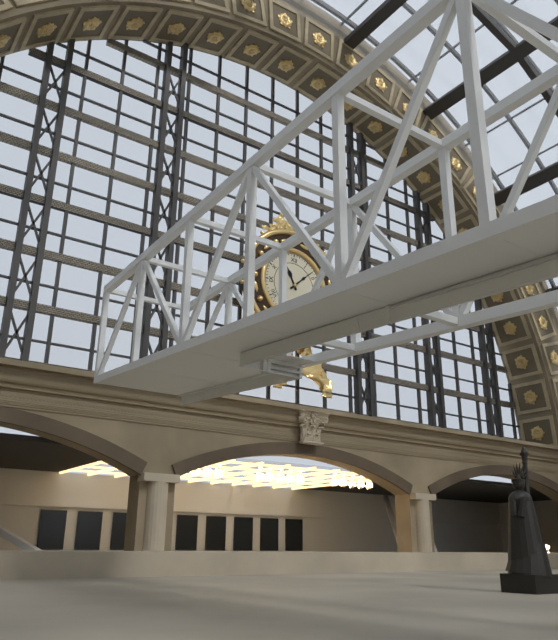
11:08
